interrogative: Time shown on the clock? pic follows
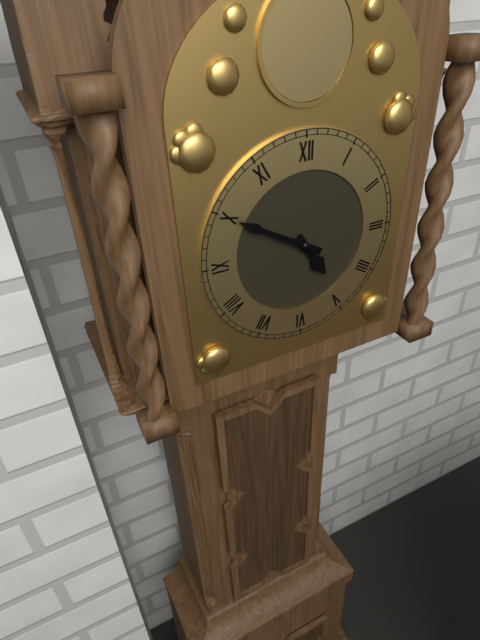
4:50
